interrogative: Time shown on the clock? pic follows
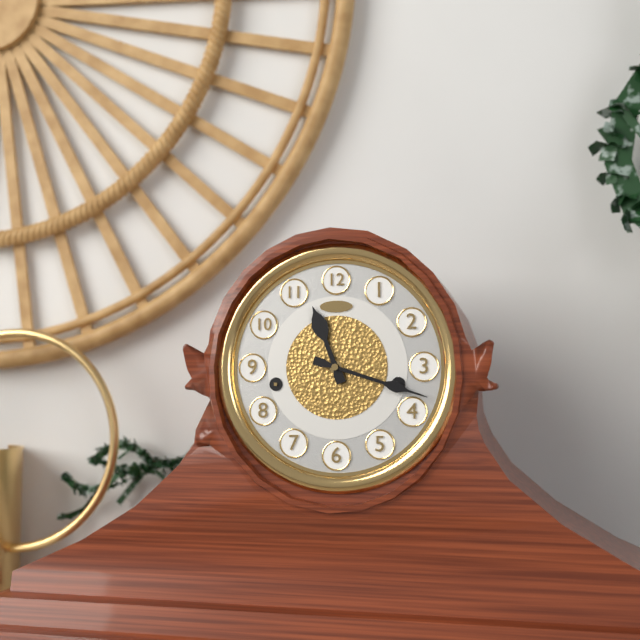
11:18
